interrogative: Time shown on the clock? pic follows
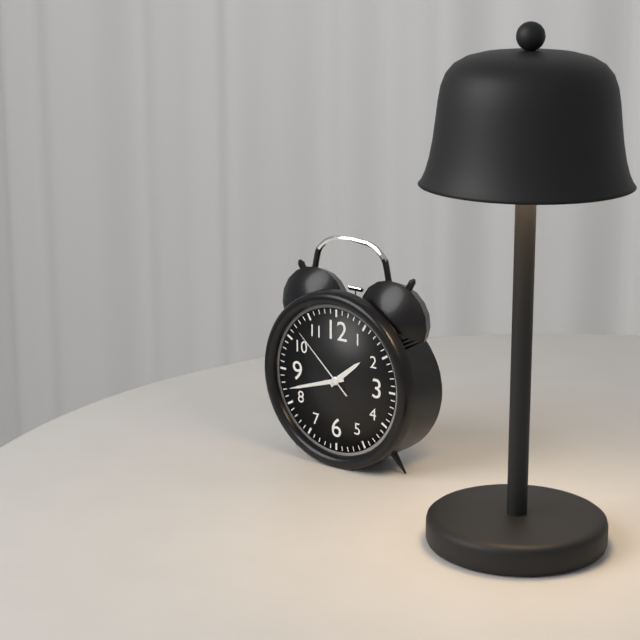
1:42:52
